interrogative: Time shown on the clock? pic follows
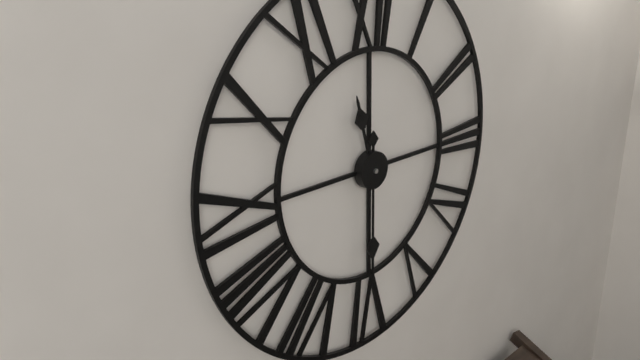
11:30
